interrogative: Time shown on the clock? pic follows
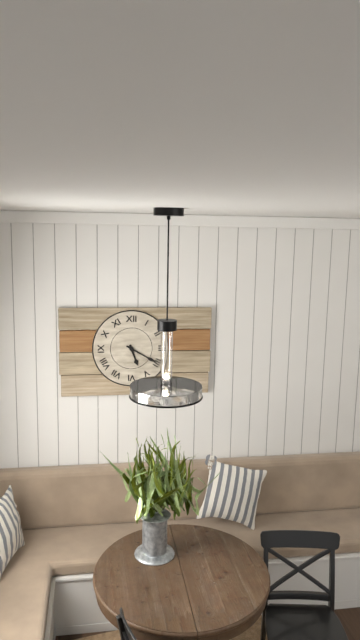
5:20
